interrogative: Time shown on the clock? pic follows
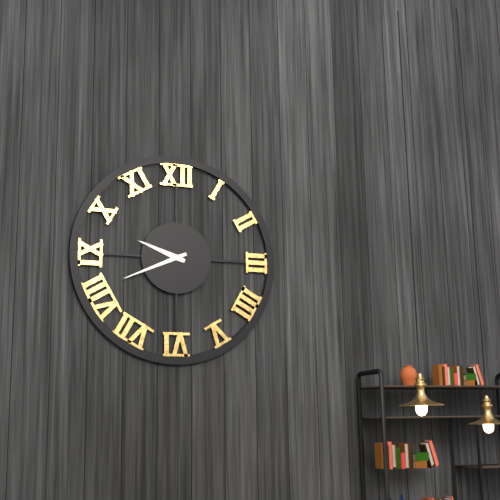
9:41
